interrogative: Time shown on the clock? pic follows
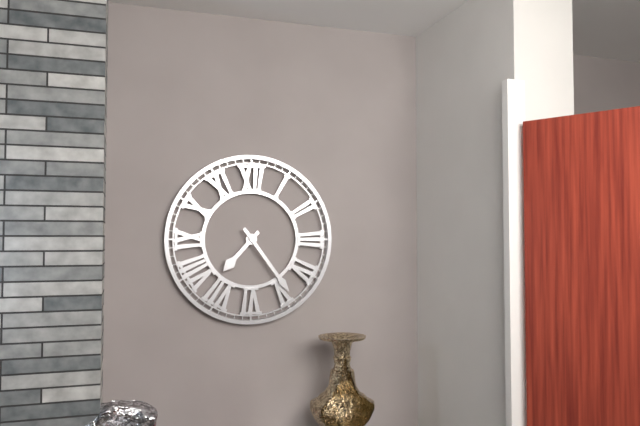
7:24
